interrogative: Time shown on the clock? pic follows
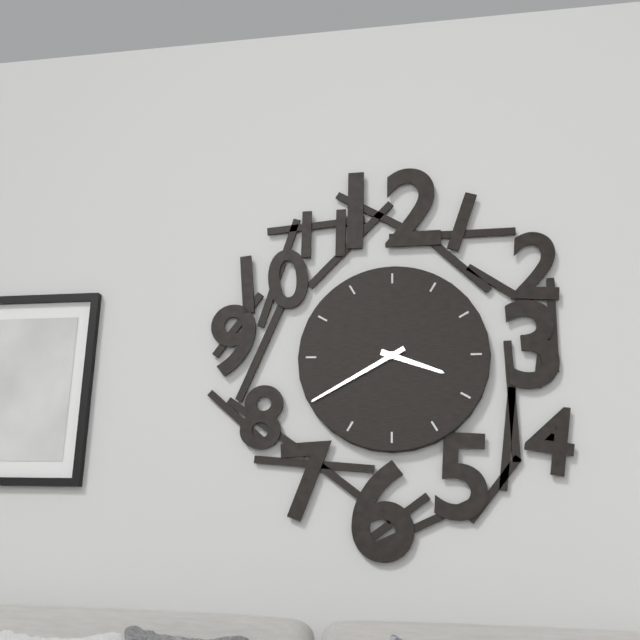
3:40
